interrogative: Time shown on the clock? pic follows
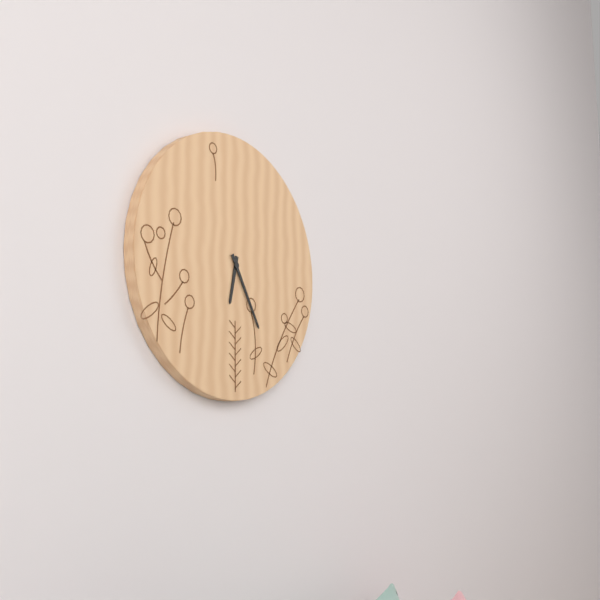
6:25
